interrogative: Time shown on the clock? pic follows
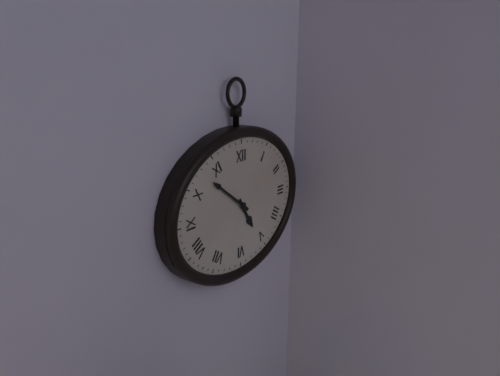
4:51
